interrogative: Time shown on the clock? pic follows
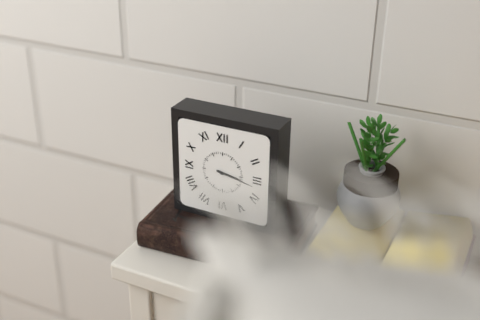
3:17
